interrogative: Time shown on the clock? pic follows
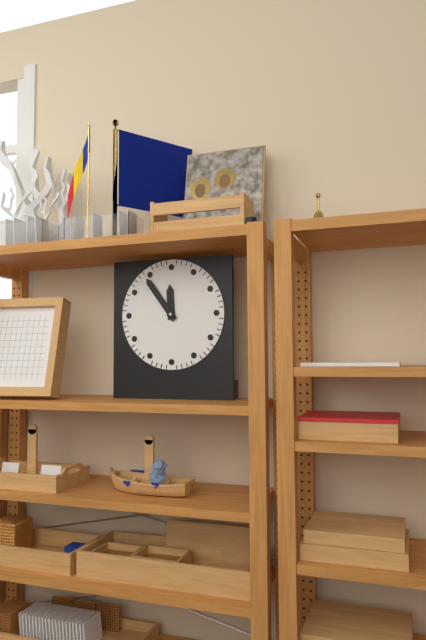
11:54
